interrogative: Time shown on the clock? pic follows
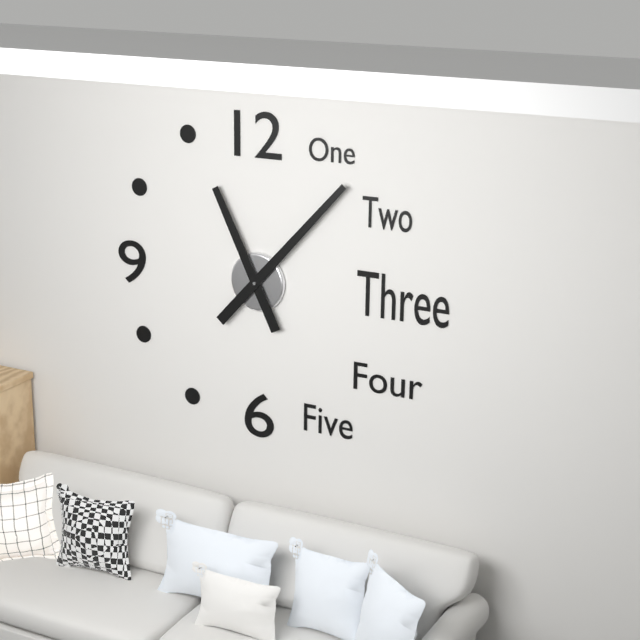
11:07
